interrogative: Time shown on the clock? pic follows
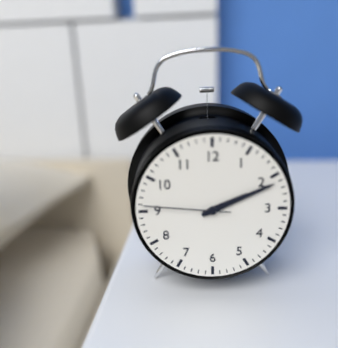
2:11:46
